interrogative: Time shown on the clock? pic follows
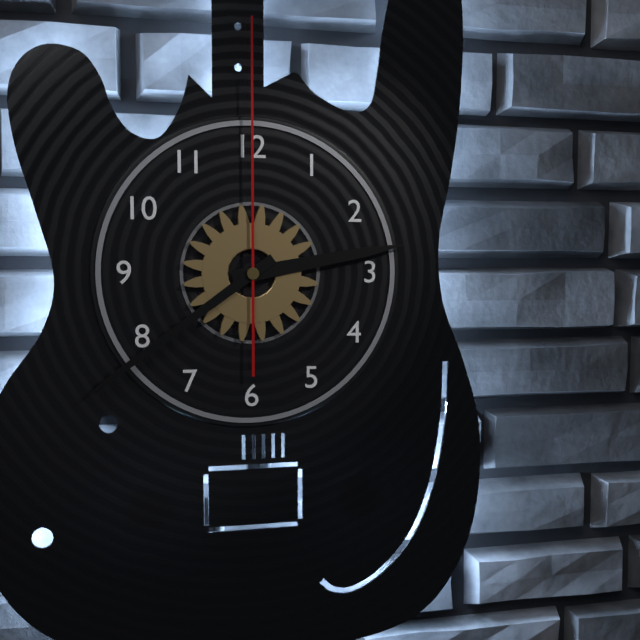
2:39:00
